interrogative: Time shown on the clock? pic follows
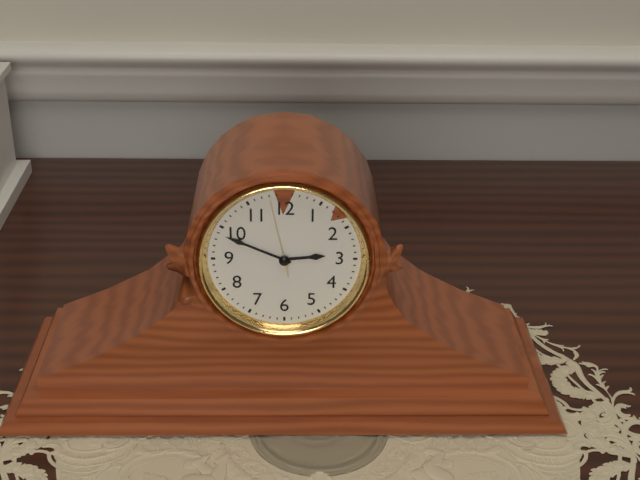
2:49:58
